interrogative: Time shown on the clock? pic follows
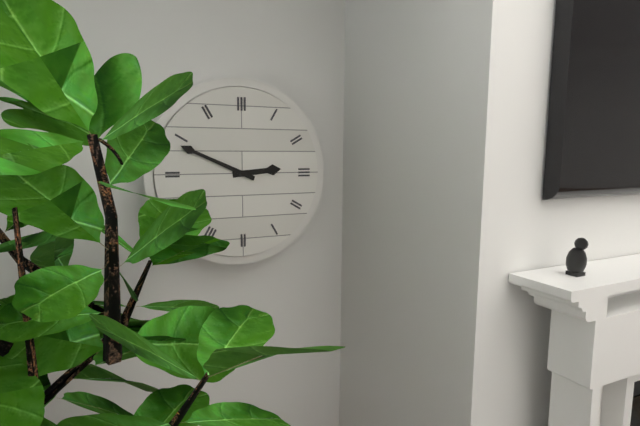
2:49
